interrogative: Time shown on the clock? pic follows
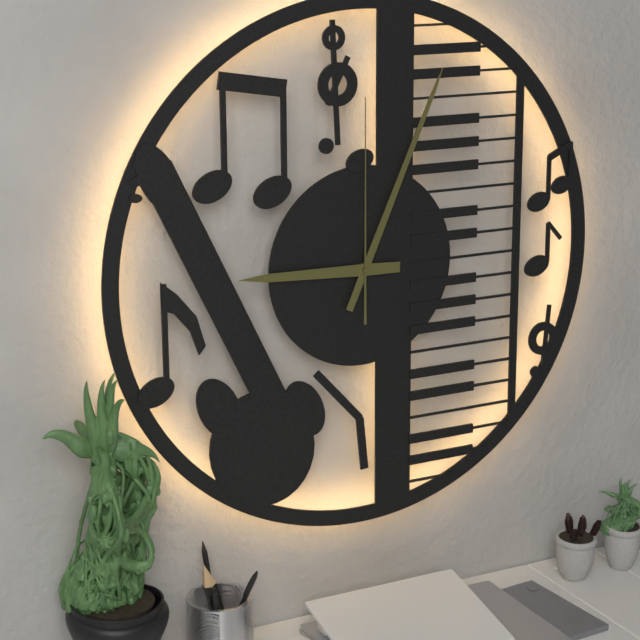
9:04:00
